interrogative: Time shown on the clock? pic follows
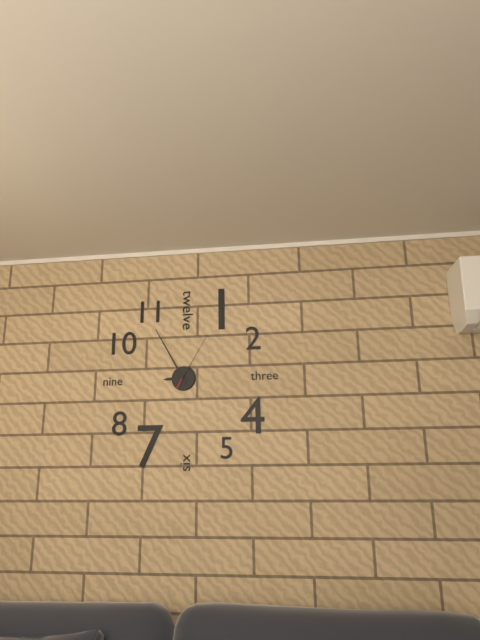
8:55:05
